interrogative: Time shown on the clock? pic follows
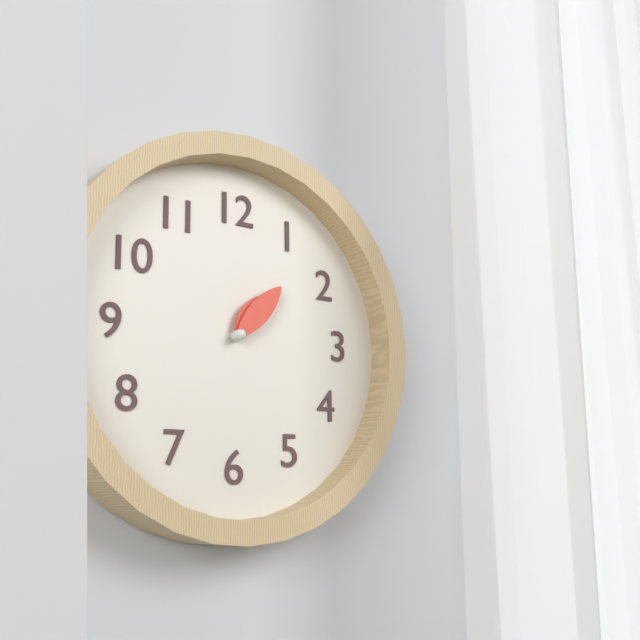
1:07
